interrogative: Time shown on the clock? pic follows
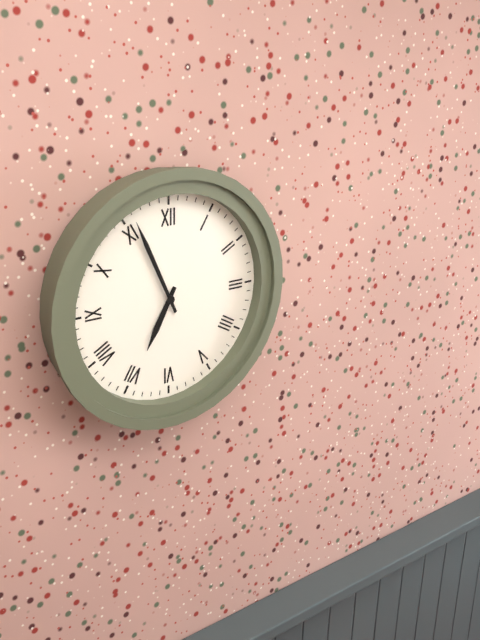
6:56
